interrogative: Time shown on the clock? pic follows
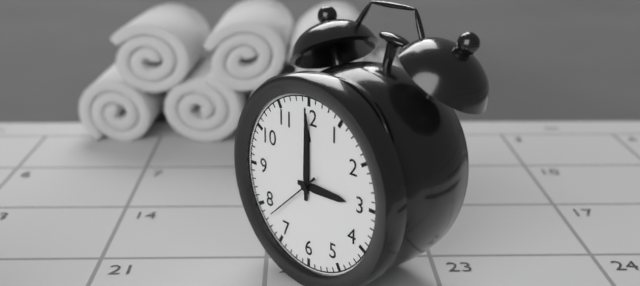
3:00:38
